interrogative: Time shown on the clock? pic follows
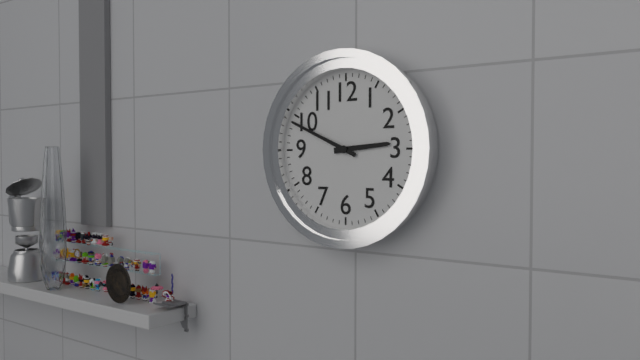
2:49
